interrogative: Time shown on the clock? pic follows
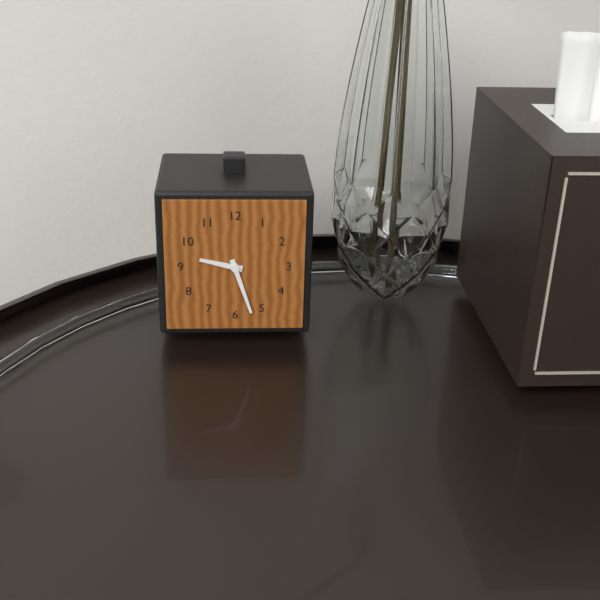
9:27
